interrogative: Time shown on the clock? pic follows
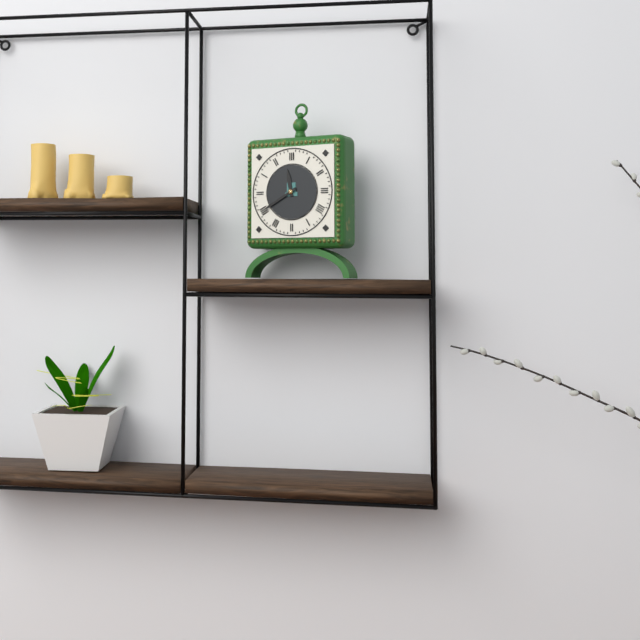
11:40
